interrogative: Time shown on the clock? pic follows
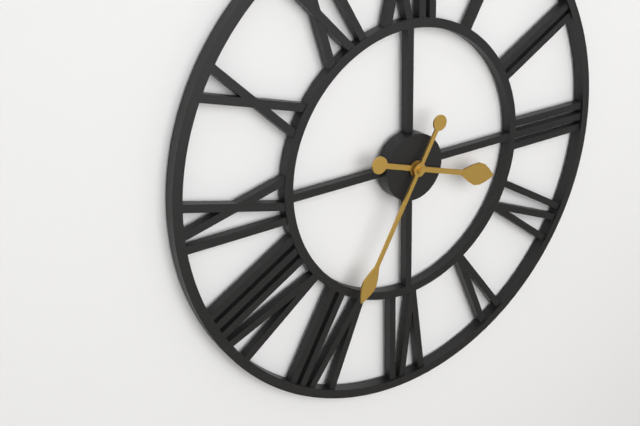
3:35
